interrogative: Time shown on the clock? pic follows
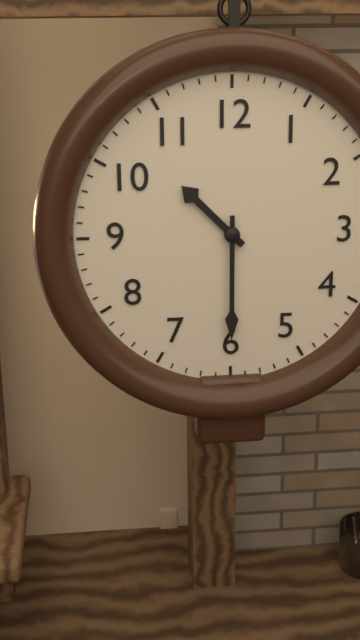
10:30
